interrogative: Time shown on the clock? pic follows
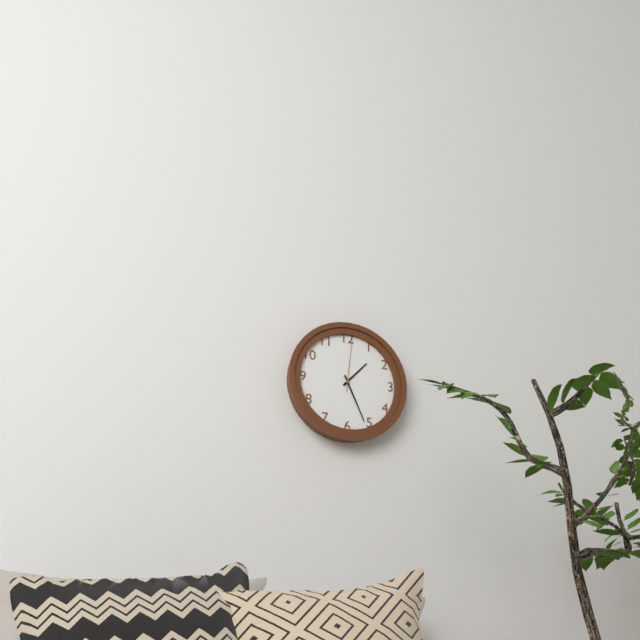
1:26:01
